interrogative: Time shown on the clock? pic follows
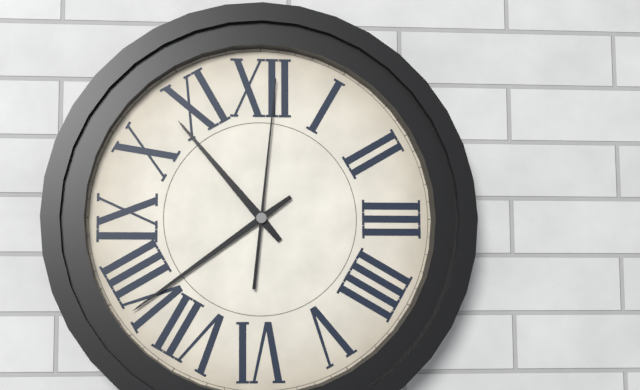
10:39:01
